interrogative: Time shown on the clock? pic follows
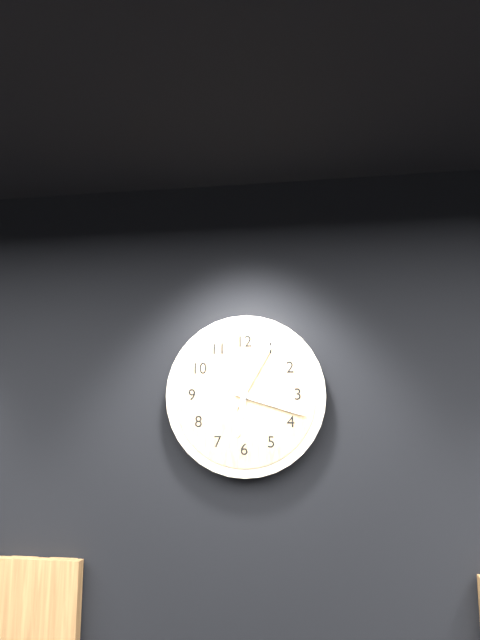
6:18:05
